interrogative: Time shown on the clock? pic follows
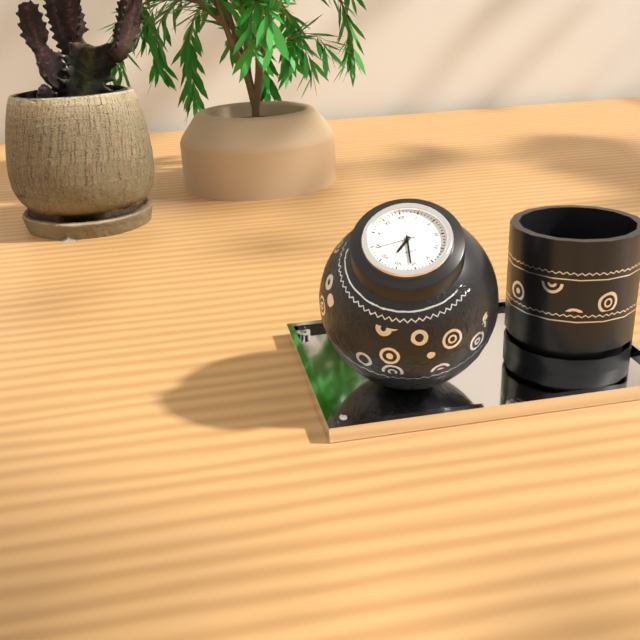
7:31:44
